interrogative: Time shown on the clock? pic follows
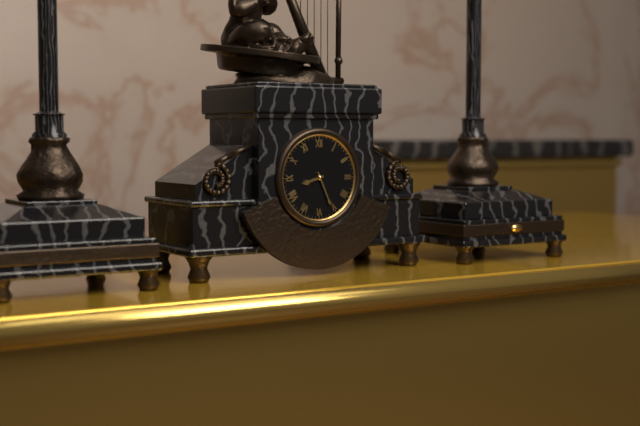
8:26
